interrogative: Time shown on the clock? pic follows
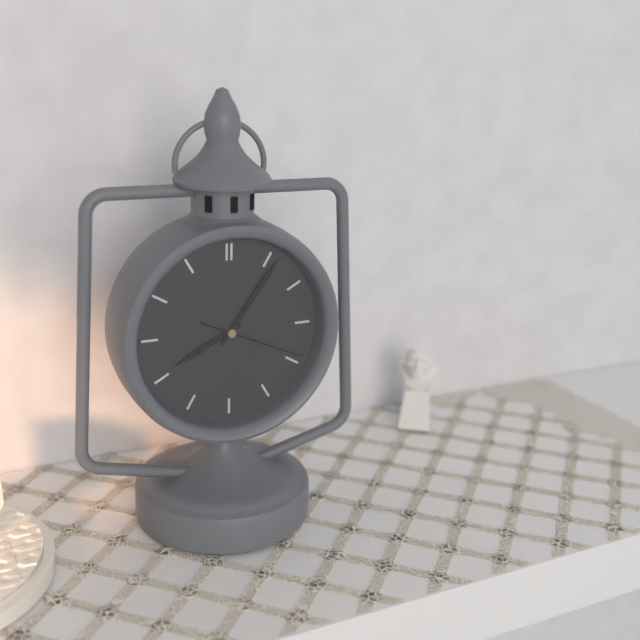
8:06:19
